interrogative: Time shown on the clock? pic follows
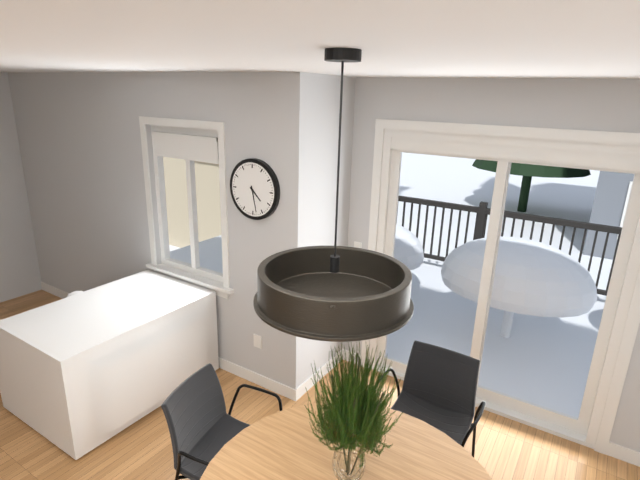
4:28
